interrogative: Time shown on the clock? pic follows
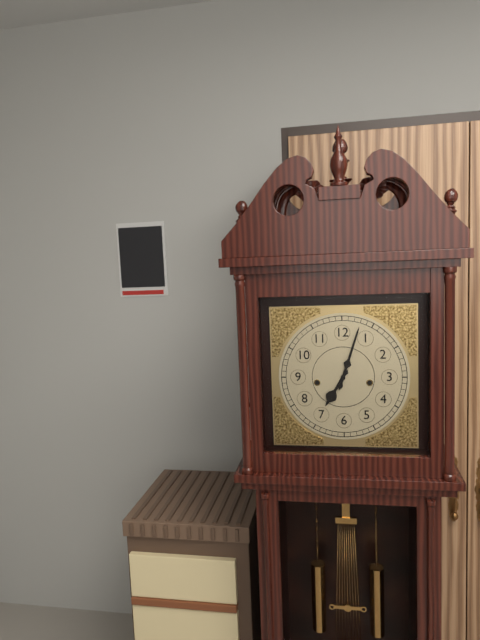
7:03
